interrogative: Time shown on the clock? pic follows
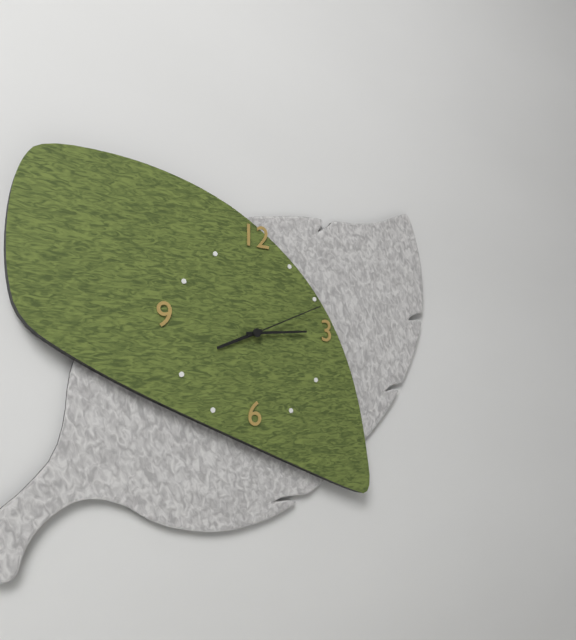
8:14:11
